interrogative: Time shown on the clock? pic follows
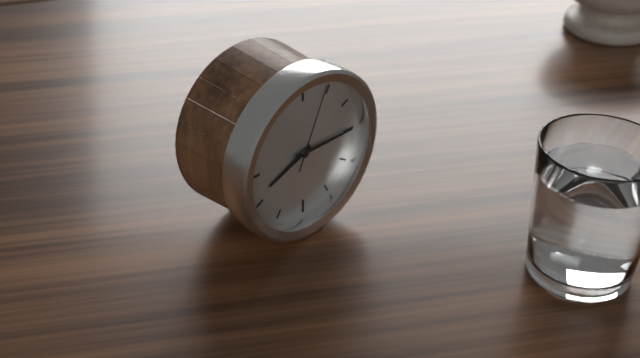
8:15:04
